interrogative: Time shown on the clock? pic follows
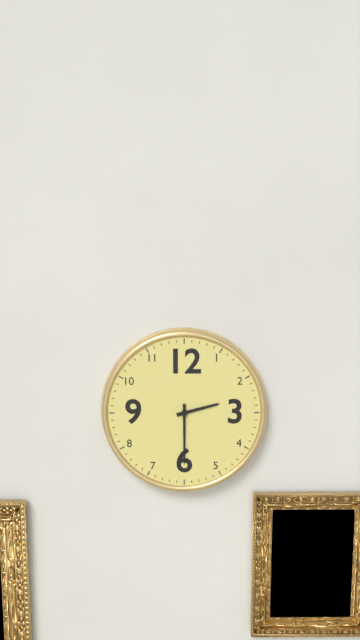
2:30
